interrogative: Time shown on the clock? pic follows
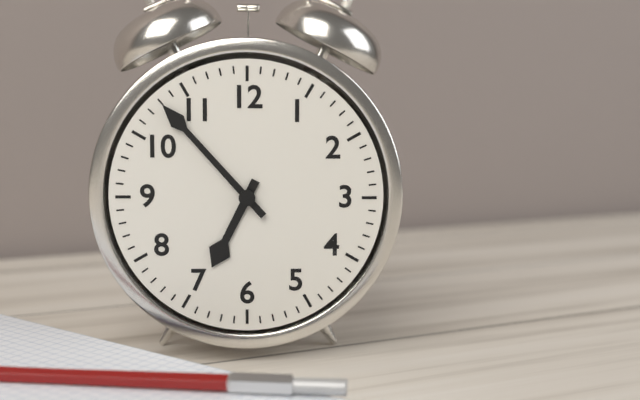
6:53
